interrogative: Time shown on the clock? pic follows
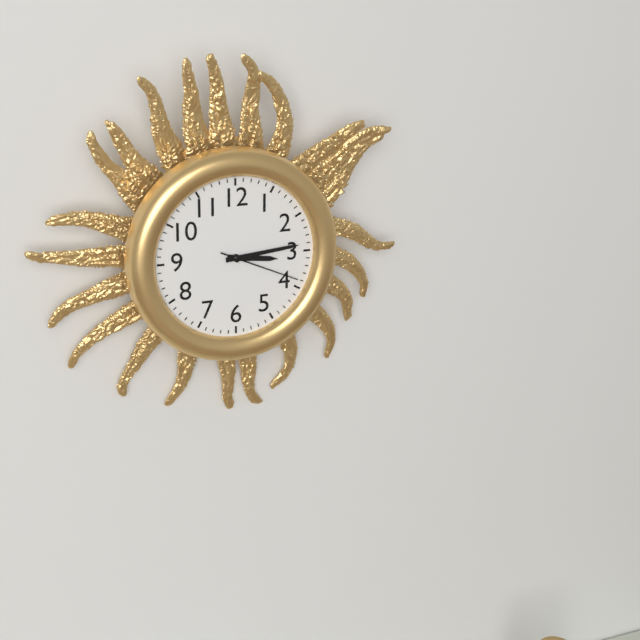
3:14:19
